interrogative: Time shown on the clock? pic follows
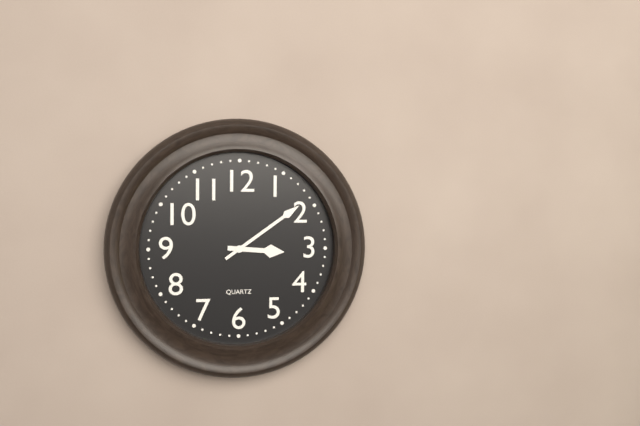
3:09
